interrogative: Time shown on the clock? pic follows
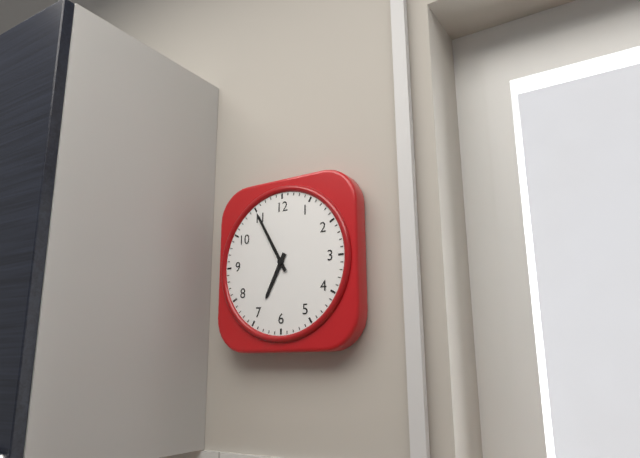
6:55
